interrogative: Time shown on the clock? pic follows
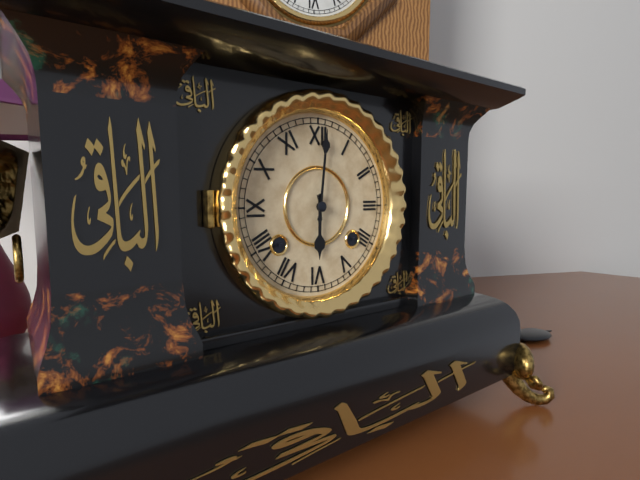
6:01
